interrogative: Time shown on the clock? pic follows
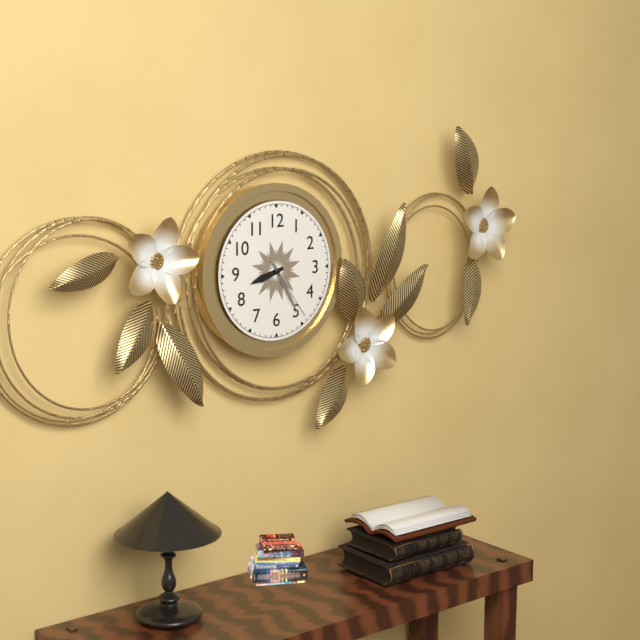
8:25:24
